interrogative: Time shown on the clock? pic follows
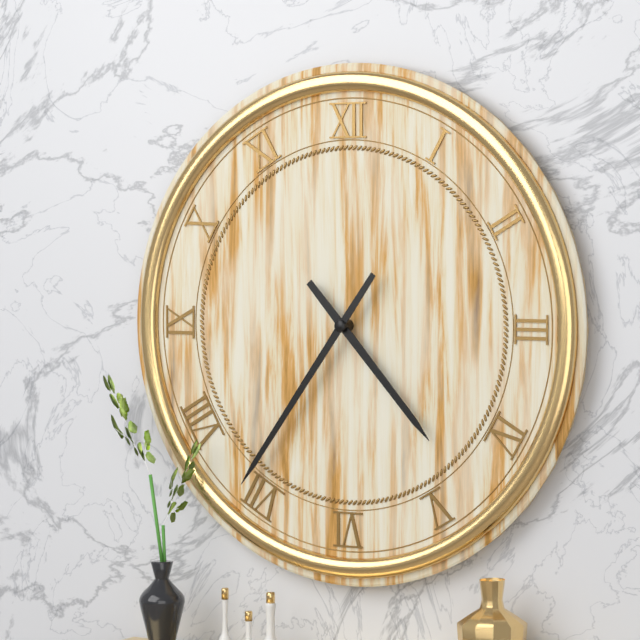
4:36
